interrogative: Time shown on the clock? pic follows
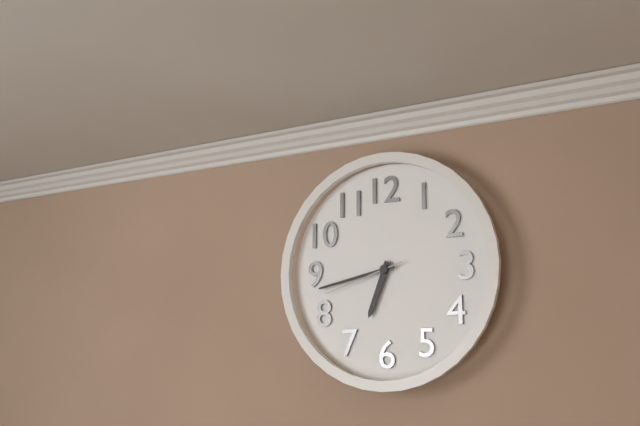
6:43:42
